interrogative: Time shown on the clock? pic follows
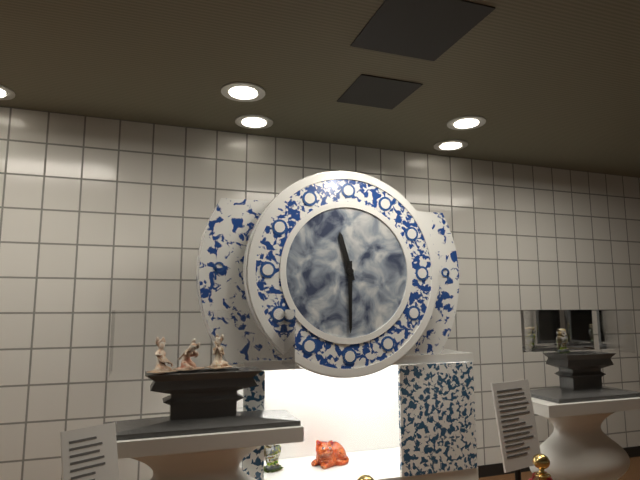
11:30
